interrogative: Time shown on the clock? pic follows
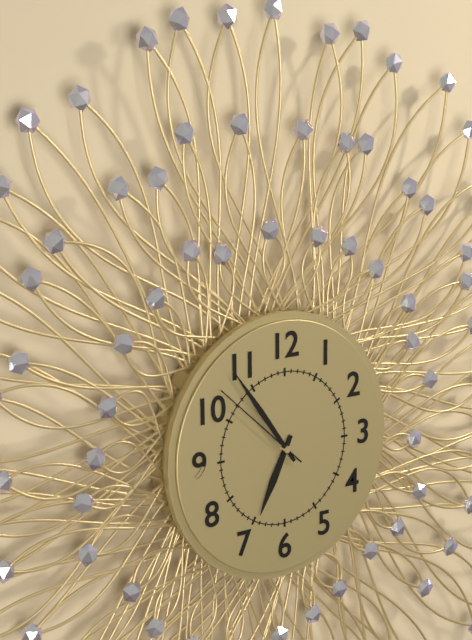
6:54:52
